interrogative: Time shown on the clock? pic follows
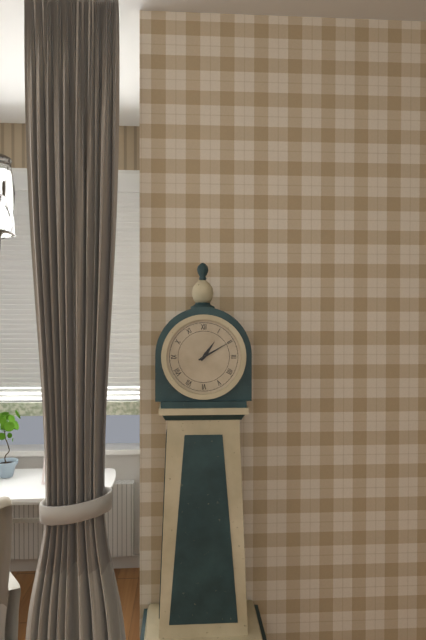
1:10
